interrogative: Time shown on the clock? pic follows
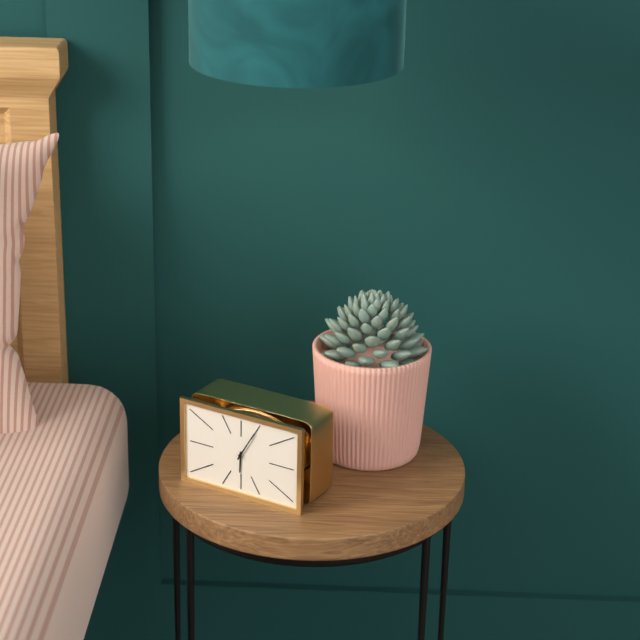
6:05
